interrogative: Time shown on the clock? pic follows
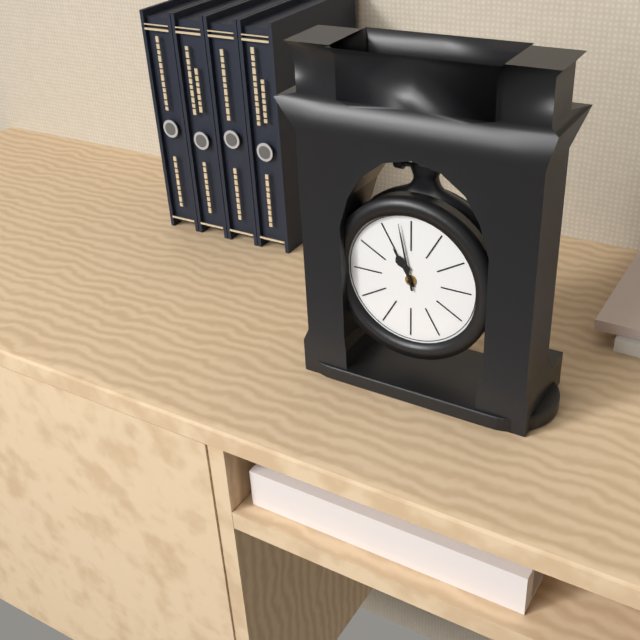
10:58
